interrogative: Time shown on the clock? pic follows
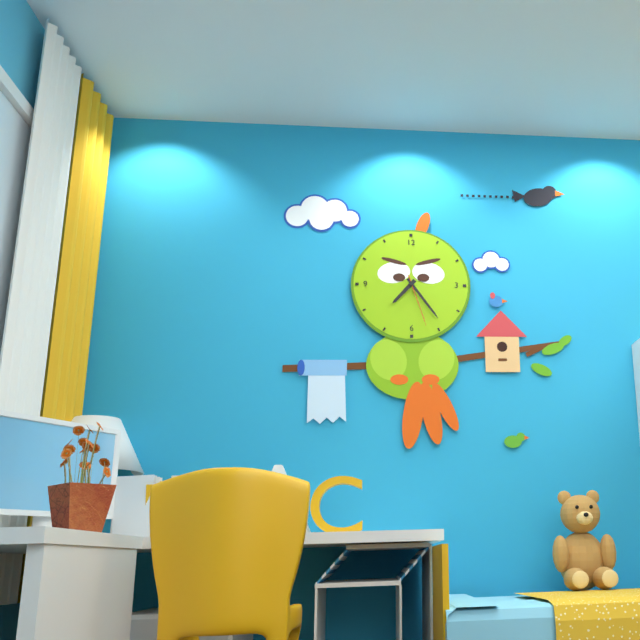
7:24:27
